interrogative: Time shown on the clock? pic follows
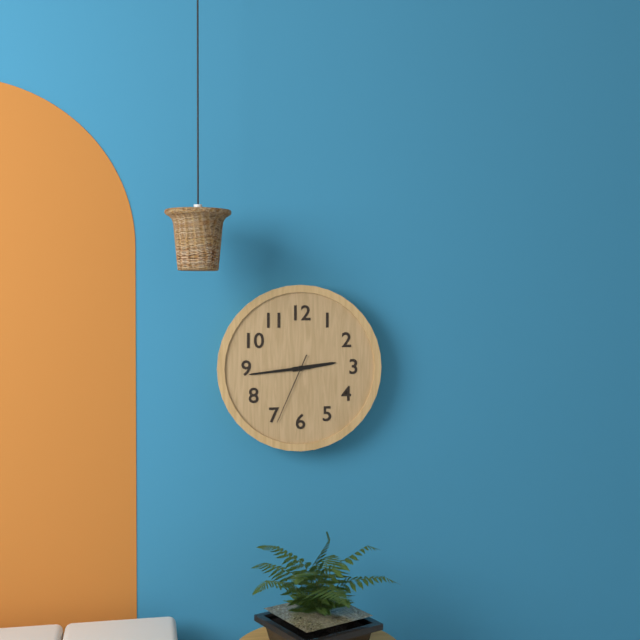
2:44:34
